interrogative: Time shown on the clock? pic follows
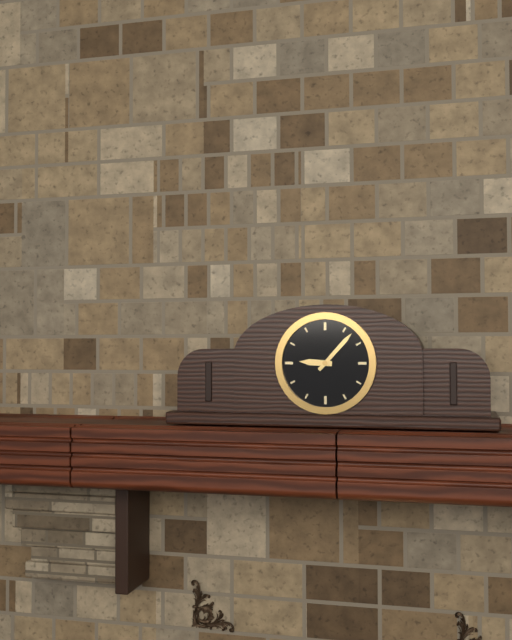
9:07
